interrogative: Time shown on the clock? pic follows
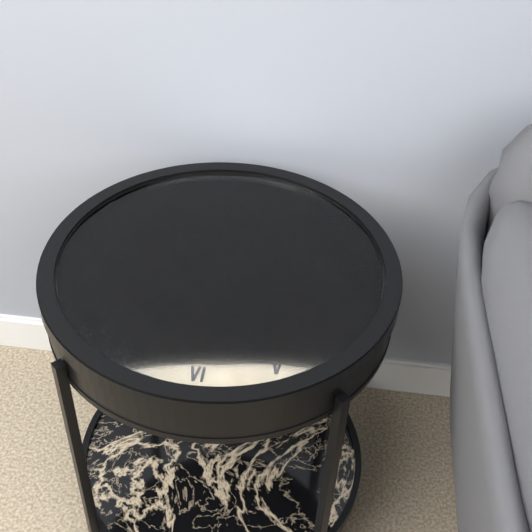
3:17
